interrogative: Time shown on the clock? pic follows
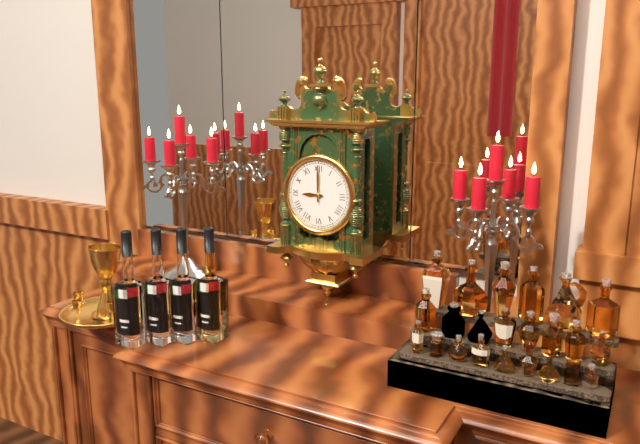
9:00
